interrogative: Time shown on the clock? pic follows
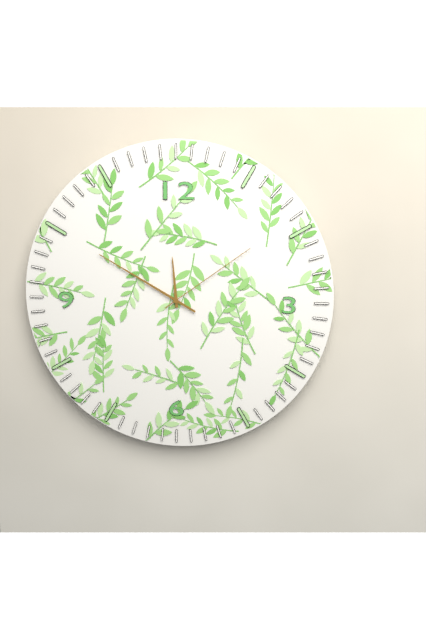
11:50:09
